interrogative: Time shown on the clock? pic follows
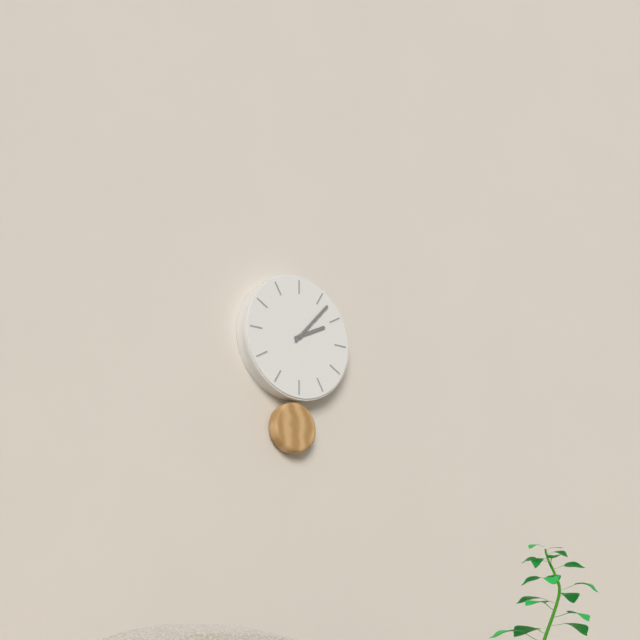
2:07
